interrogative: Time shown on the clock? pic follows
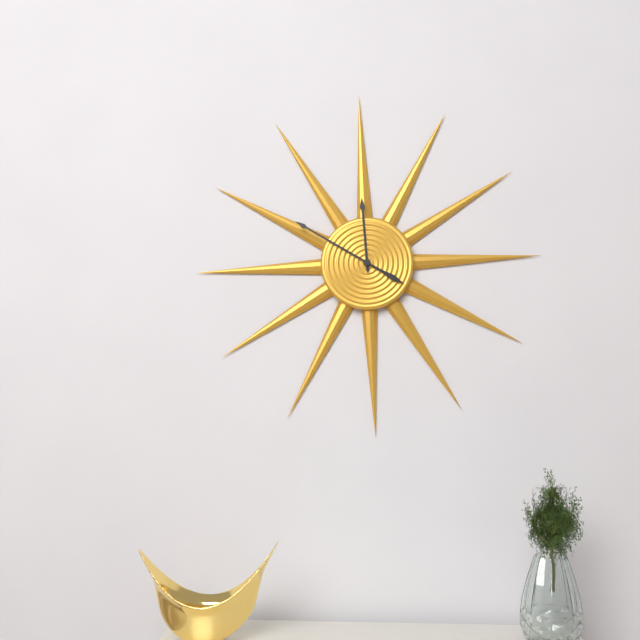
11:50
